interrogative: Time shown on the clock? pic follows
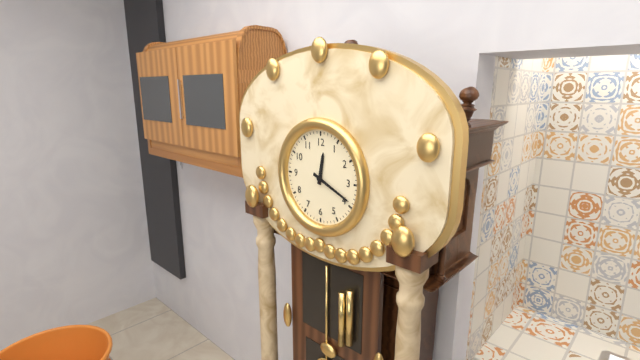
12:19
